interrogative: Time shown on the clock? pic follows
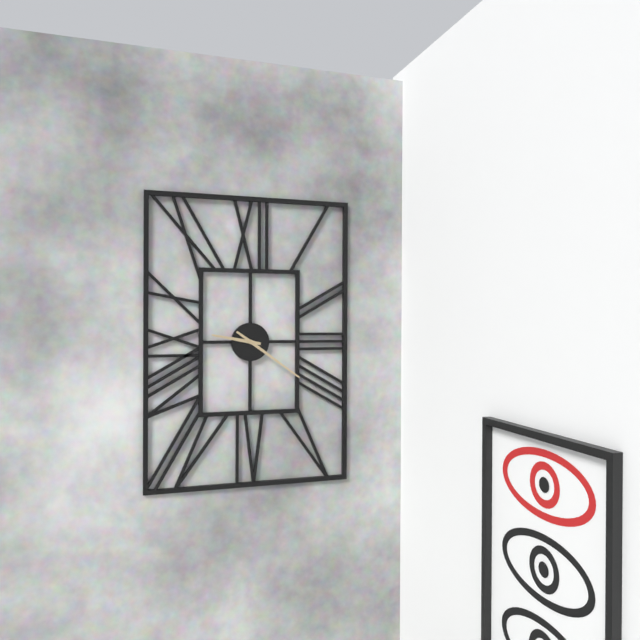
9:21
